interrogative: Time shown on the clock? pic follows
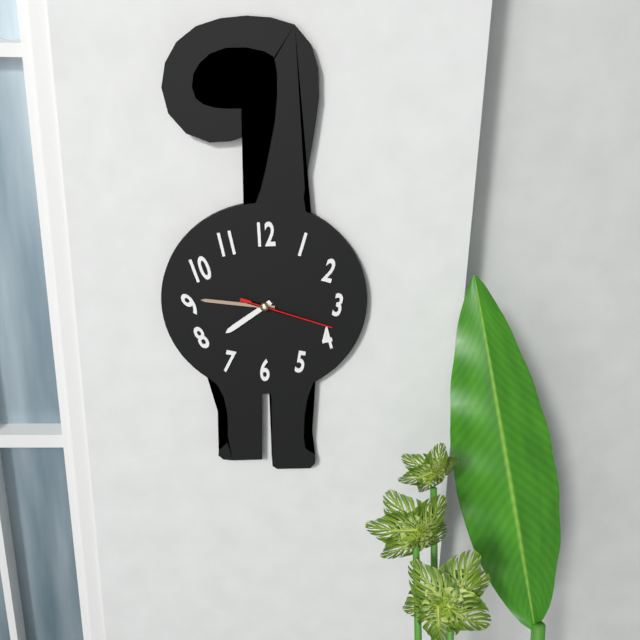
7:46:18
